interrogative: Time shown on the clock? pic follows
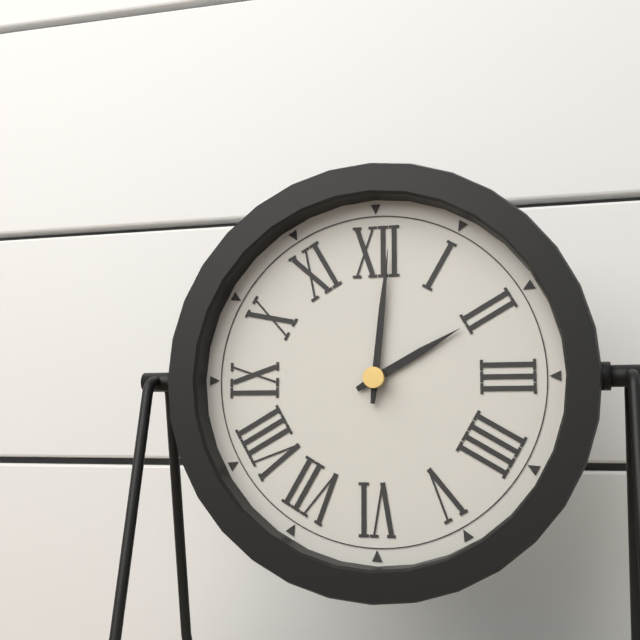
2:01
